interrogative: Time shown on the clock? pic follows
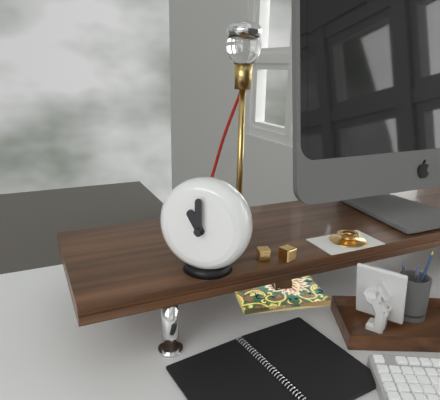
11:00
